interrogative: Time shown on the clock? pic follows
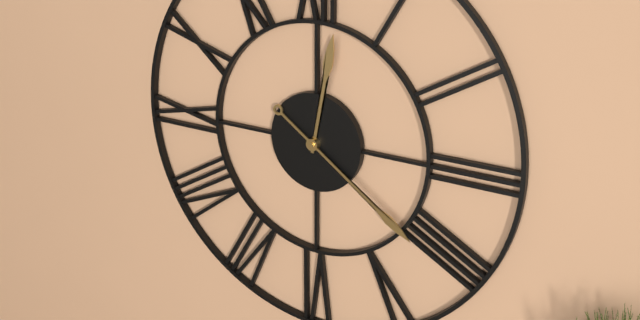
12:21
